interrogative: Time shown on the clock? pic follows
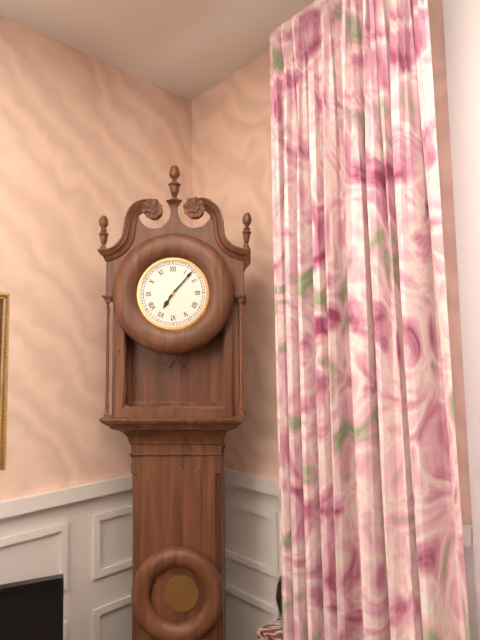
7:07
